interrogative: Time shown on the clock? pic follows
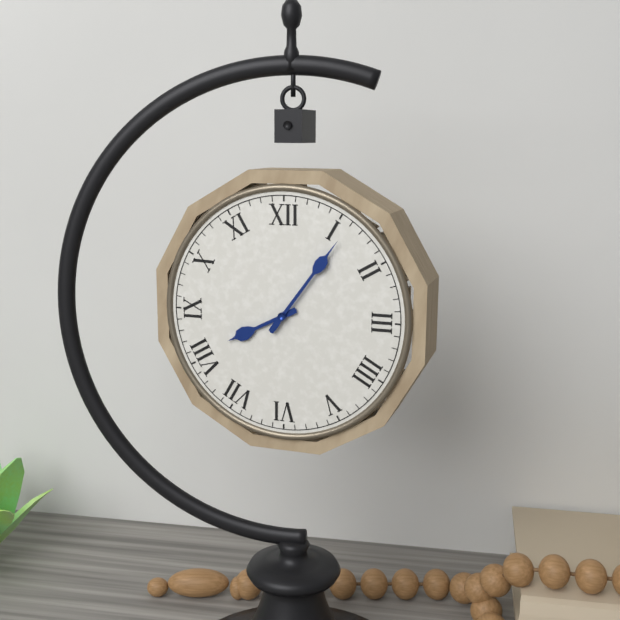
8:06
